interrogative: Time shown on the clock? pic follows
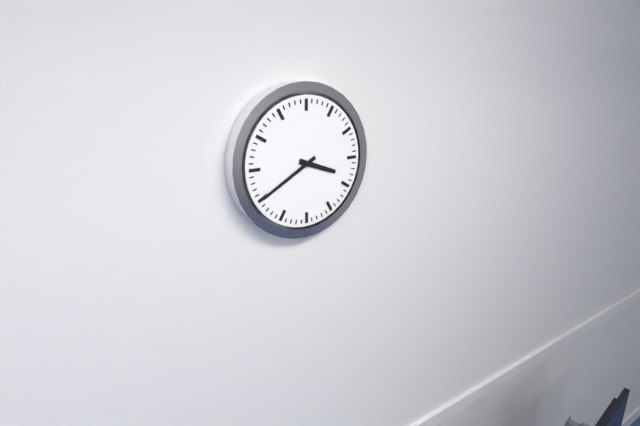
3:40
